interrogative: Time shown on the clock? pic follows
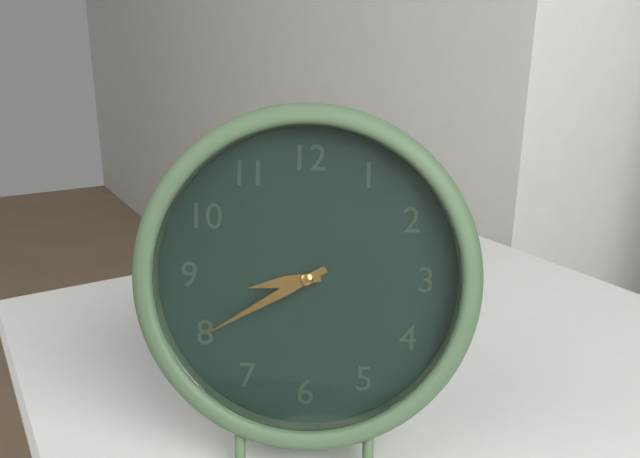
8:40
